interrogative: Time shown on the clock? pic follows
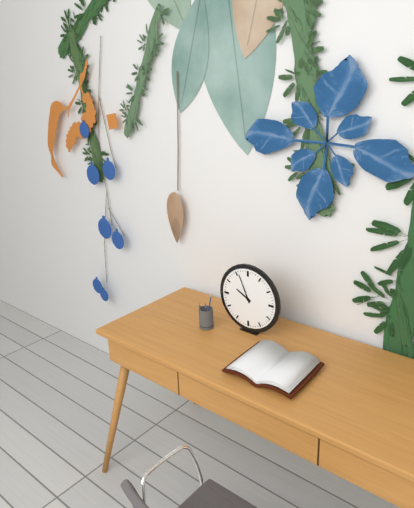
9:56
